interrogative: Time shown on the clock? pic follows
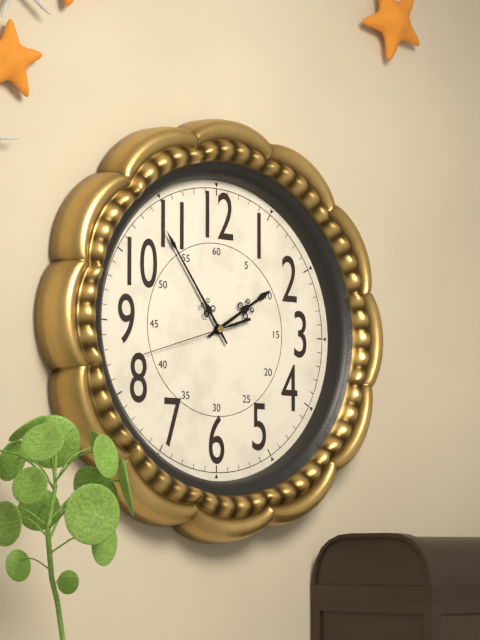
1:54:42
